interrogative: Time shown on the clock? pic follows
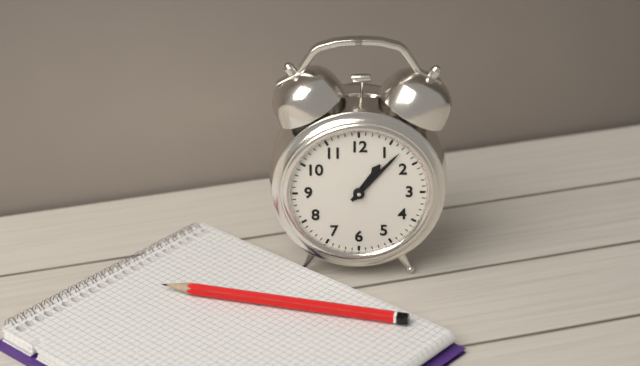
1:07
